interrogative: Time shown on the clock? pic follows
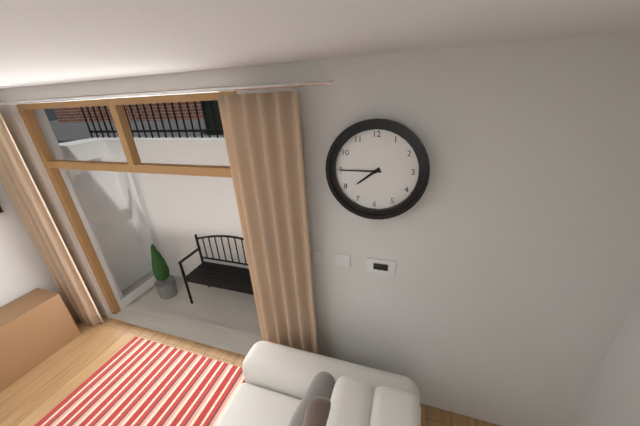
7:45
